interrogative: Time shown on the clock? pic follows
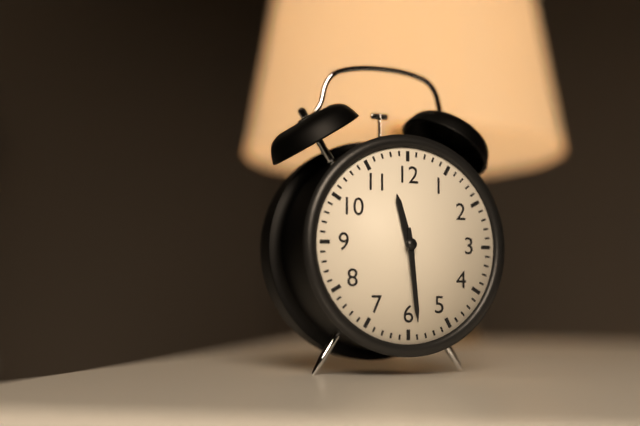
11:29
